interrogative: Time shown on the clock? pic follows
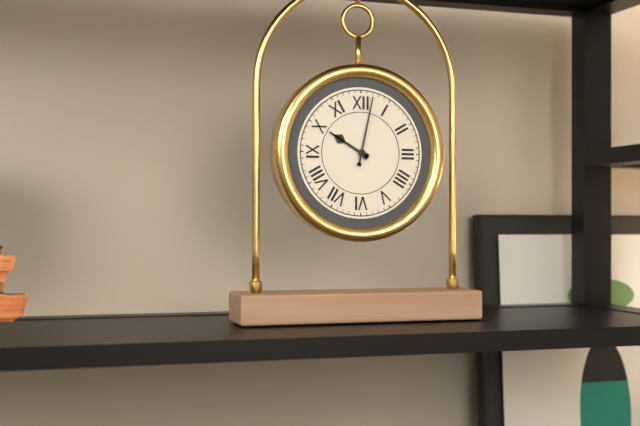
10:02
